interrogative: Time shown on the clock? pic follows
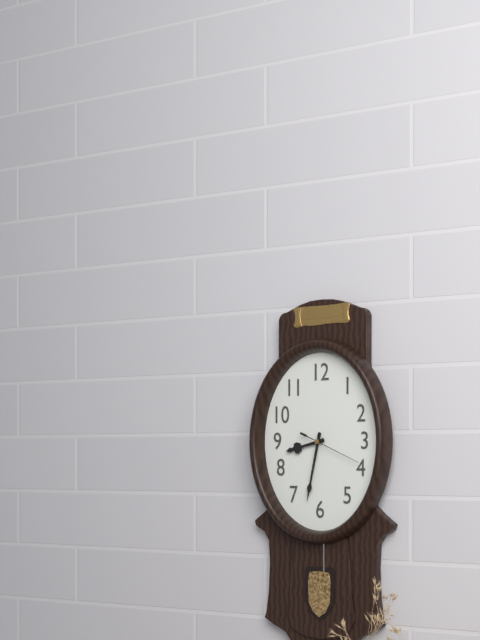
8:32:19
